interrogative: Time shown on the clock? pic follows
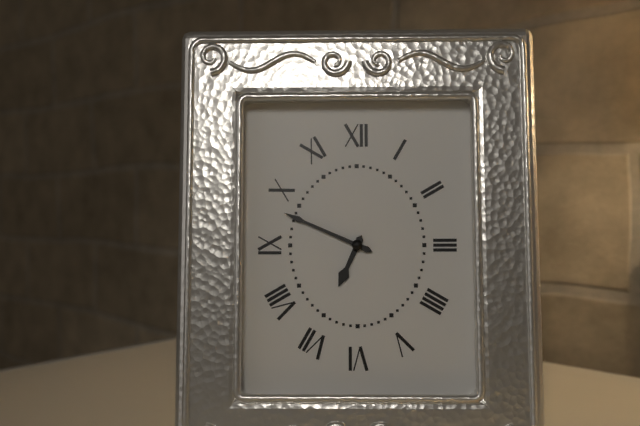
6:49
